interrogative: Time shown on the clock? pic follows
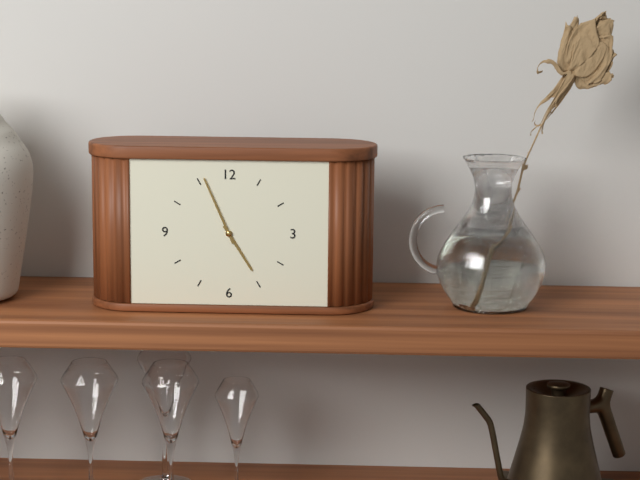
4:56
